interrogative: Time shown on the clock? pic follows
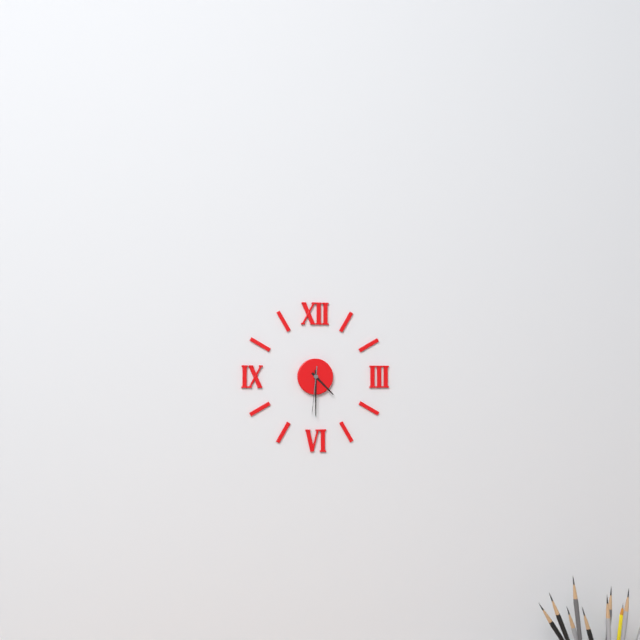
4:30
